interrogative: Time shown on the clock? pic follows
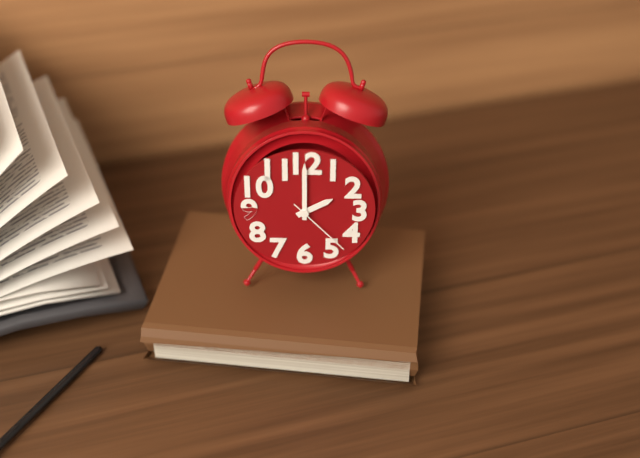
2:00:23
